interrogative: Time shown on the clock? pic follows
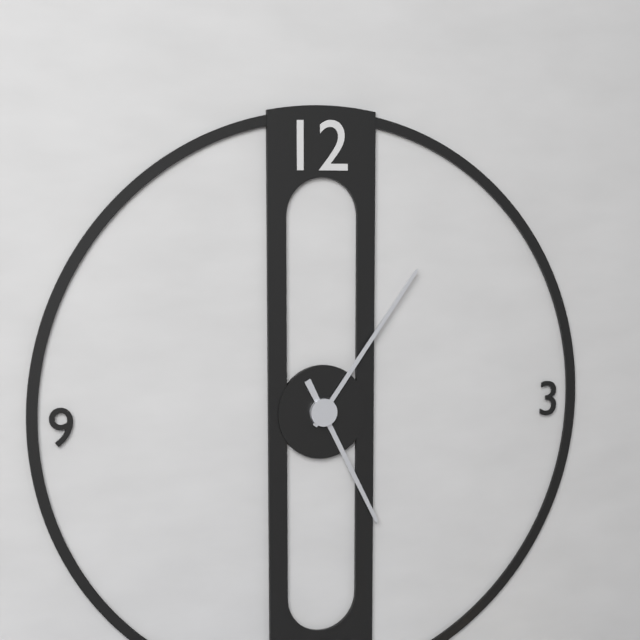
5:06
